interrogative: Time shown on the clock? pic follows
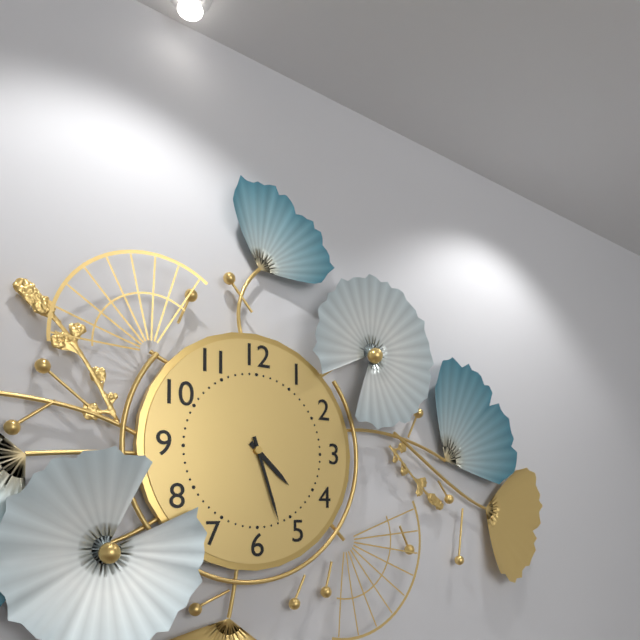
4:27
